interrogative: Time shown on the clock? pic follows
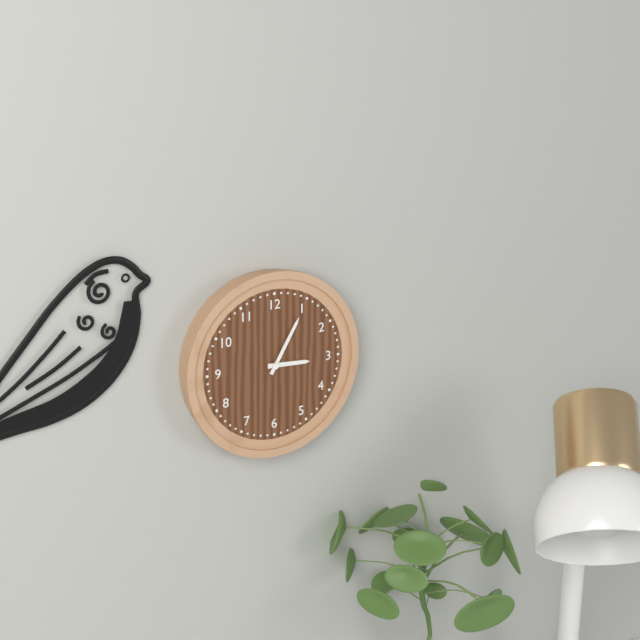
3:05
